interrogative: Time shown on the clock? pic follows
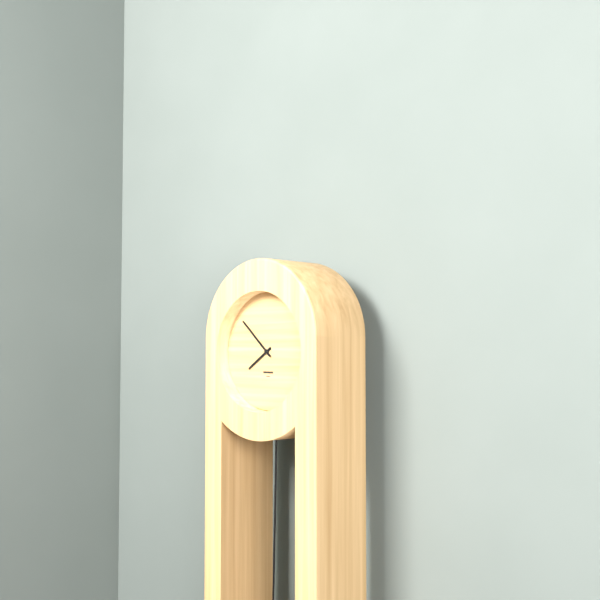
7:52
